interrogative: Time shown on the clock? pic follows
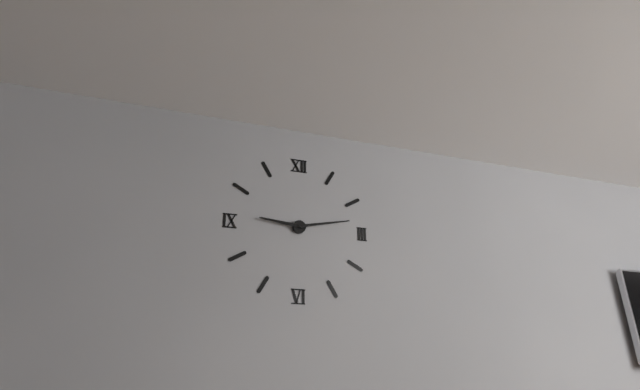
9:13
